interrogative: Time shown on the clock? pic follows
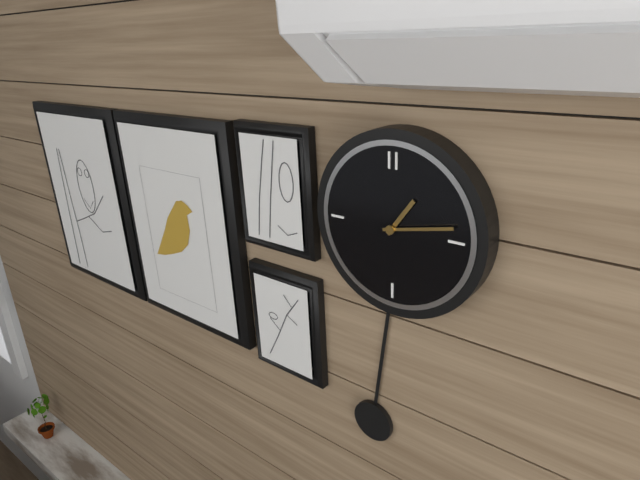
1:13
